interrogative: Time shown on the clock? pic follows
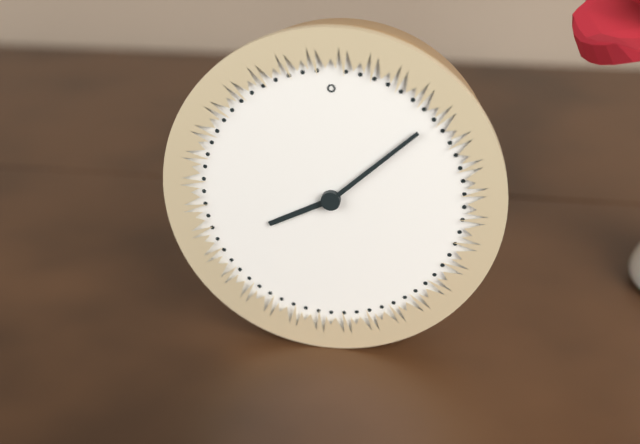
8:08
